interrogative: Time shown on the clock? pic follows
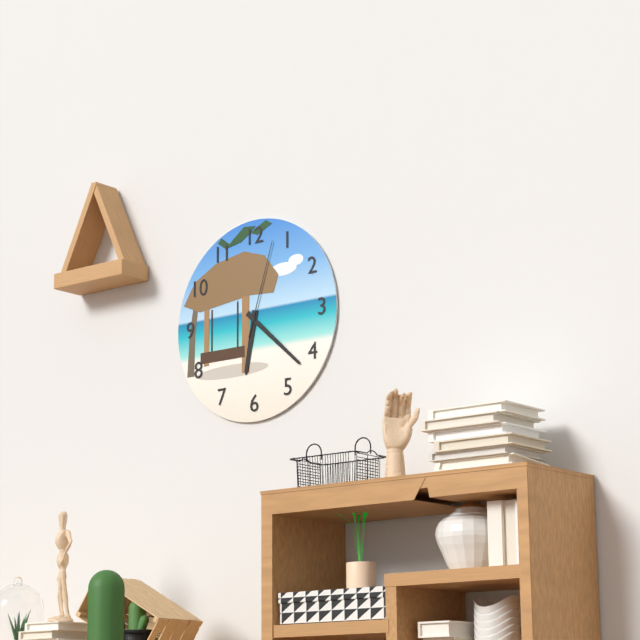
6:22:03
